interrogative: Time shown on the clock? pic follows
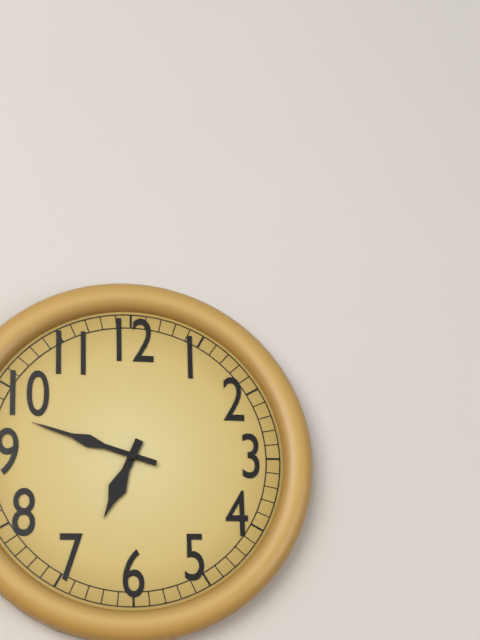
6:48
